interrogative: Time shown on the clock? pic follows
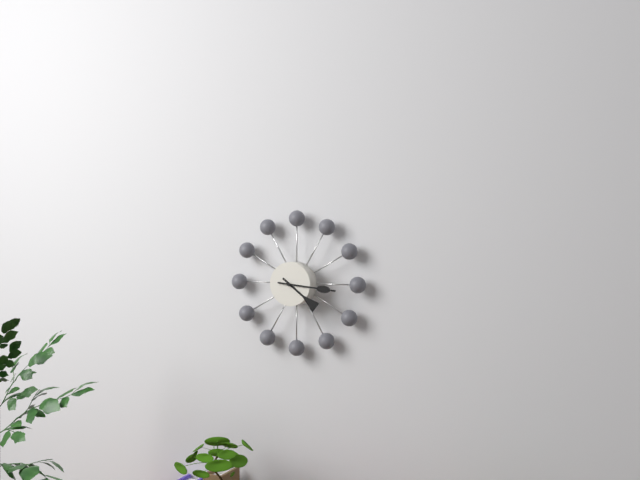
4:16
